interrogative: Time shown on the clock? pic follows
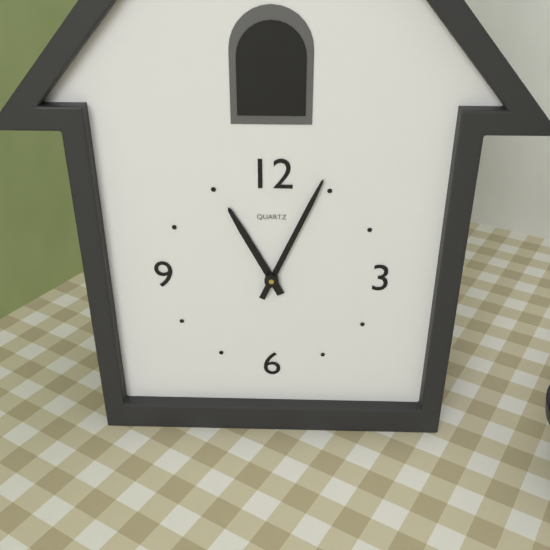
11:04
